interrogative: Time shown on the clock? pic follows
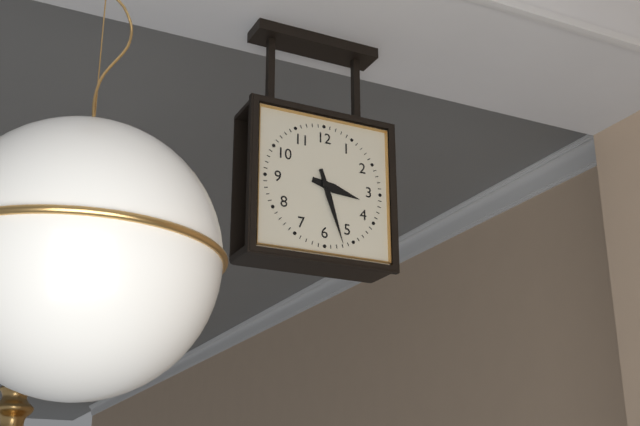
3:27
